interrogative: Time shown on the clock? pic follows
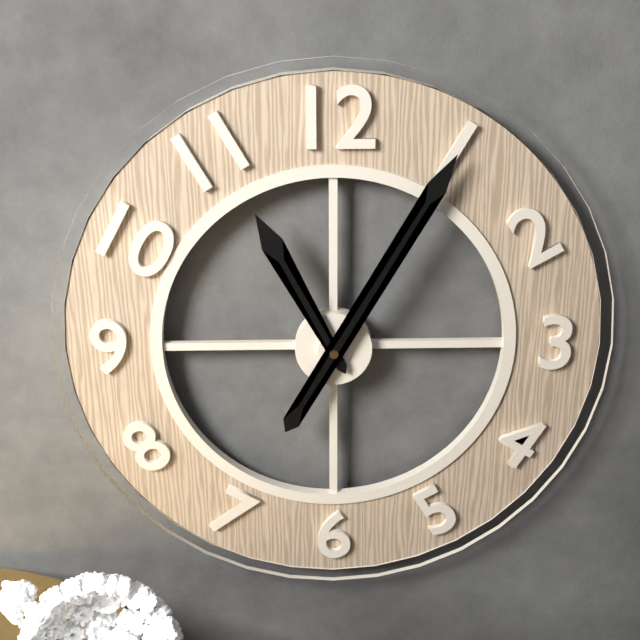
11:05
